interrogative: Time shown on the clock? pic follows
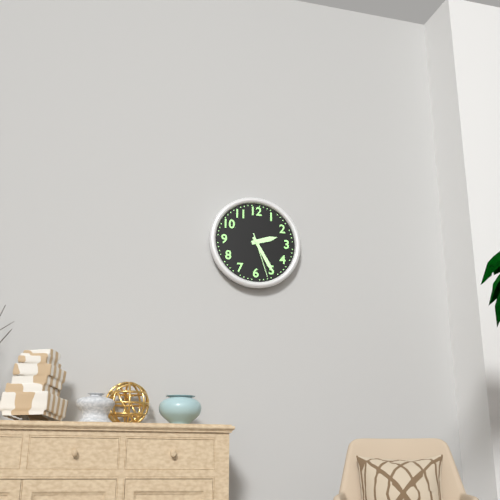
2:25
